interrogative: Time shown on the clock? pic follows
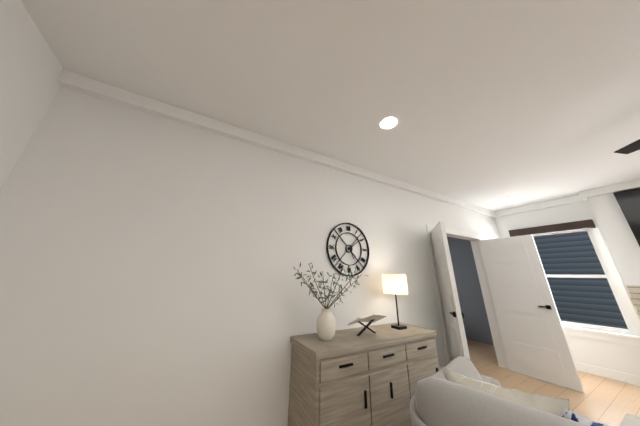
5:09
